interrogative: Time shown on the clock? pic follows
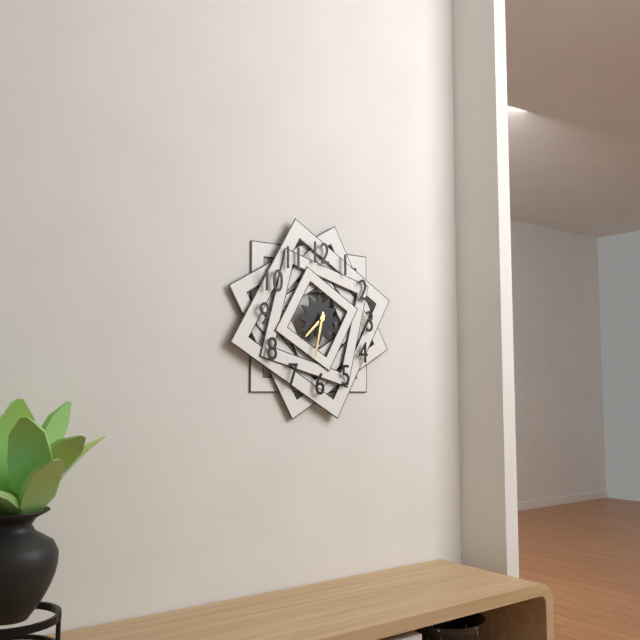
7:32
